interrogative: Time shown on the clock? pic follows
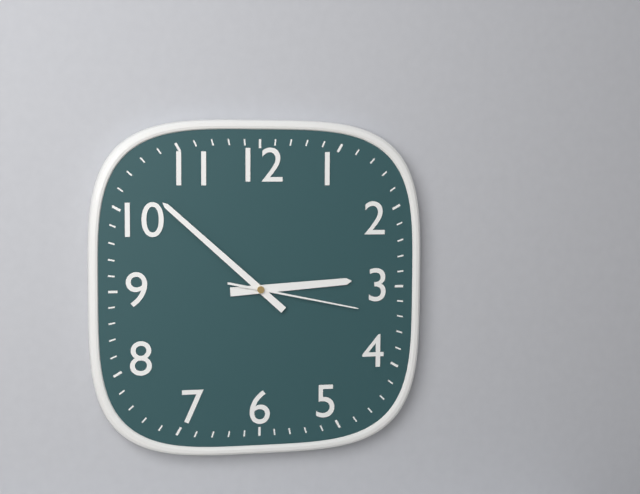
2:52:17
